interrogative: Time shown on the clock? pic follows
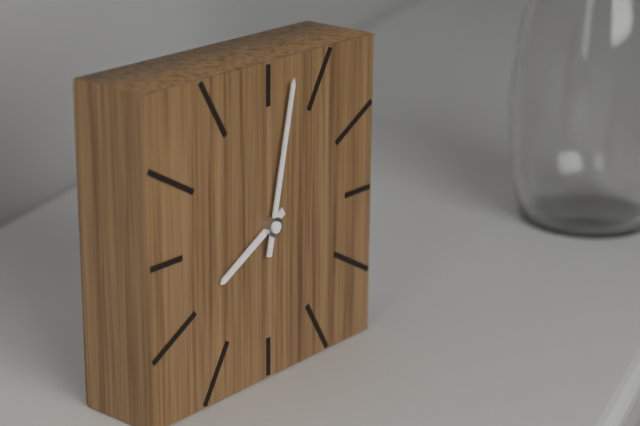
8:02
